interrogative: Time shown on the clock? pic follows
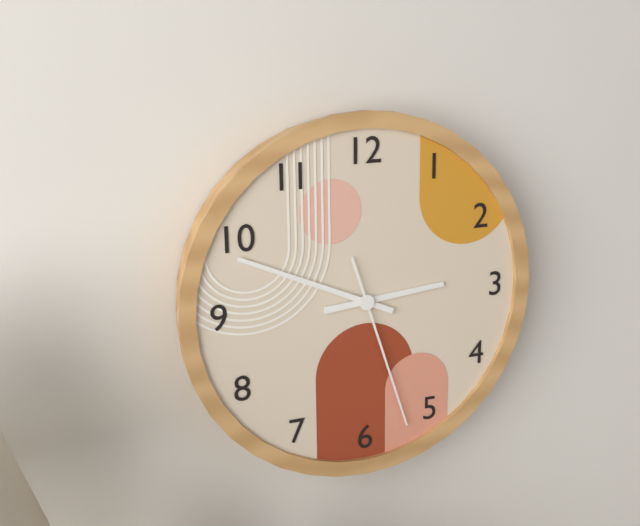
2:49:27
